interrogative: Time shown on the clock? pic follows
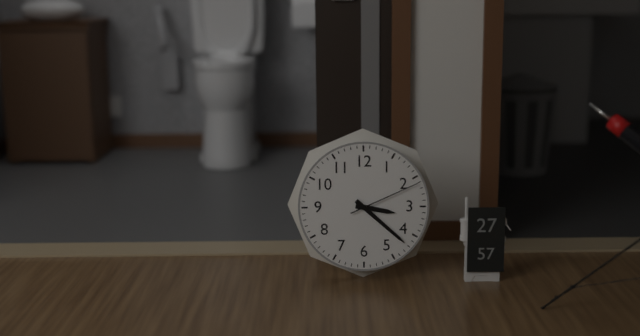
3:22:11
